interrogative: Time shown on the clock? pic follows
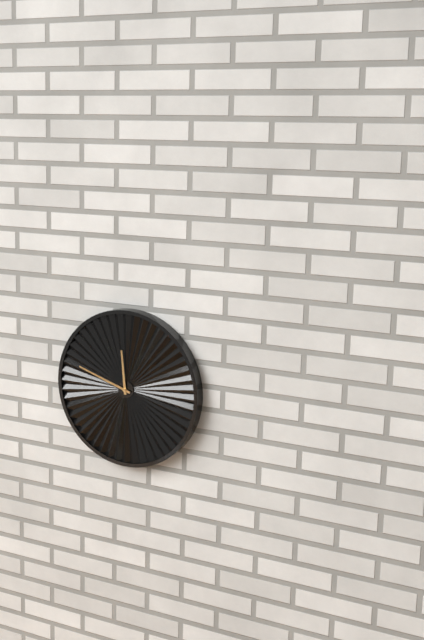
11:48
